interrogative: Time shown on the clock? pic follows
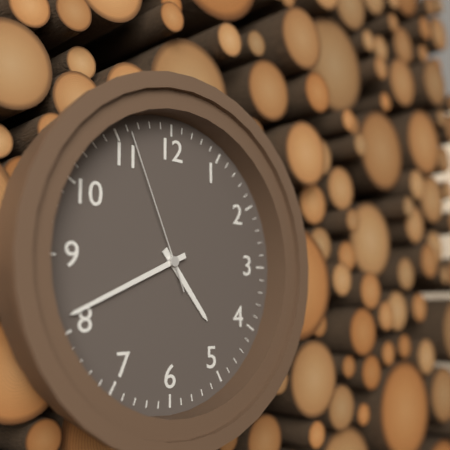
4:41:56
